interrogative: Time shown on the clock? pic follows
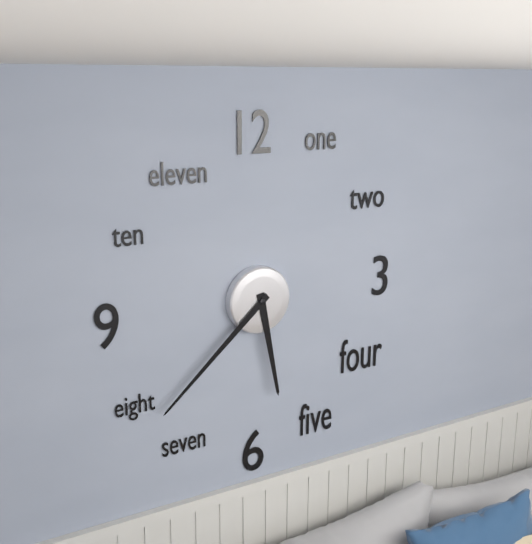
5:38
